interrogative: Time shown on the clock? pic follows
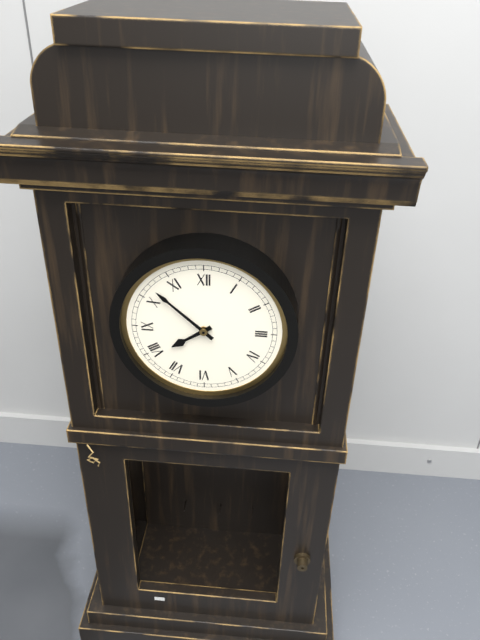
7:52
